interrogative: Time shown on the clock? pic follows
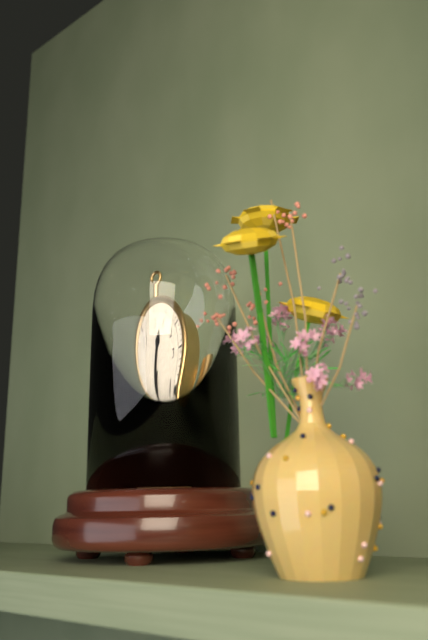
12:43
